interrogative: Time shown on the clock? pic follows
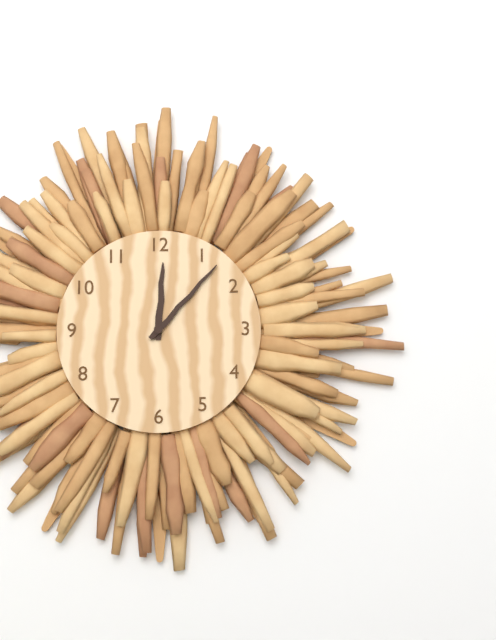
12:07
